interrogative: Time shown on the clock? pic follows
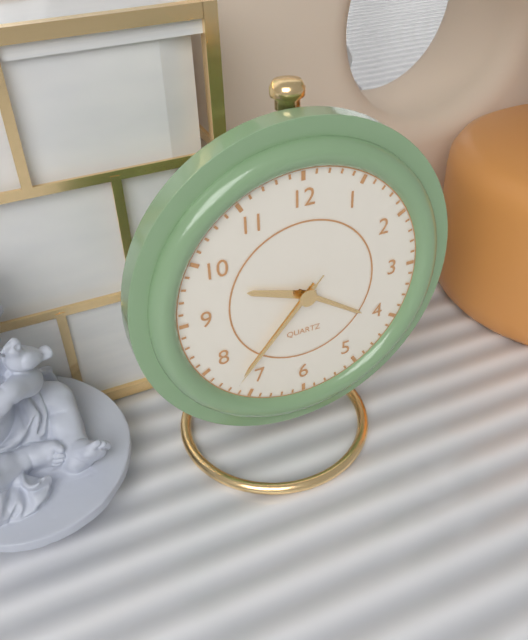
9:37:37
